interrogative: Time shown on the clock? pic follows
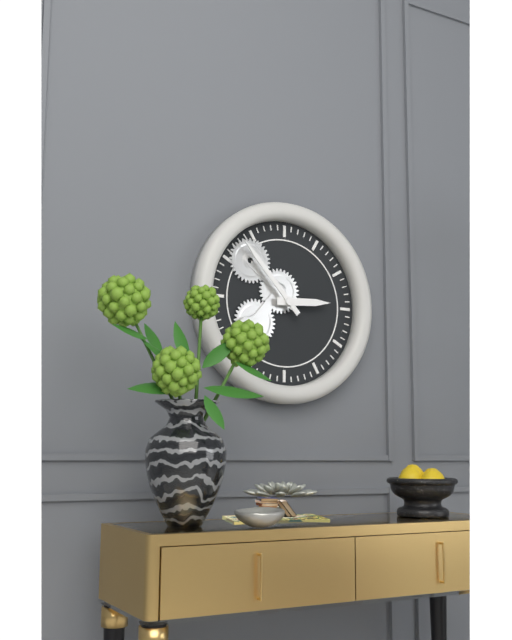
2:53
